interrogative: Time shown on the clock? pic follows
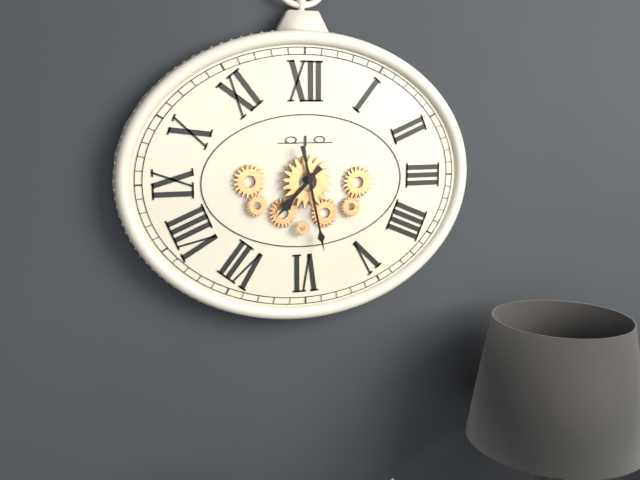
7:28
